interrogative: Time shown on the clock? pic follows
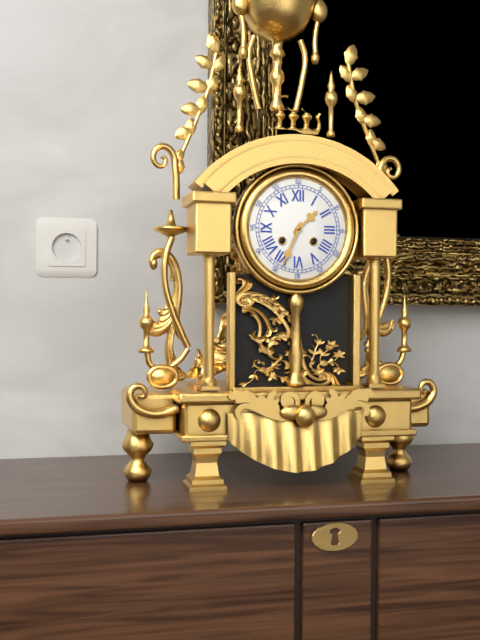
1:34
